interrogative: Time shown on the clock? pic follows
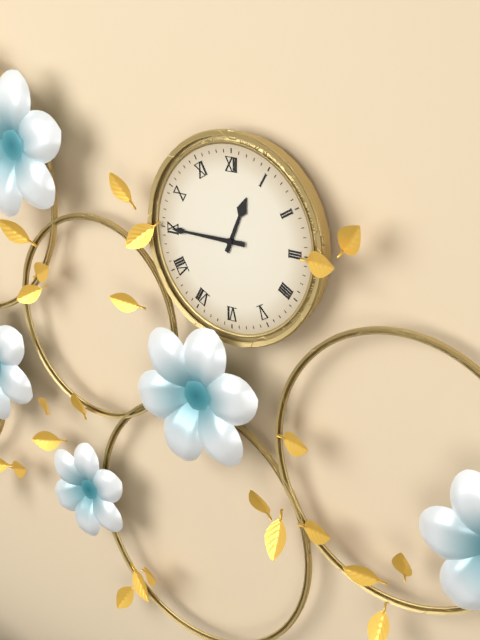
12:45
